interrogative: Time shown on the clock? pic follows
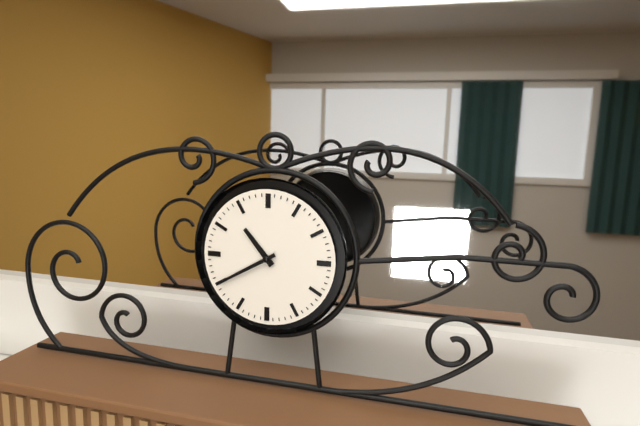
10:40
